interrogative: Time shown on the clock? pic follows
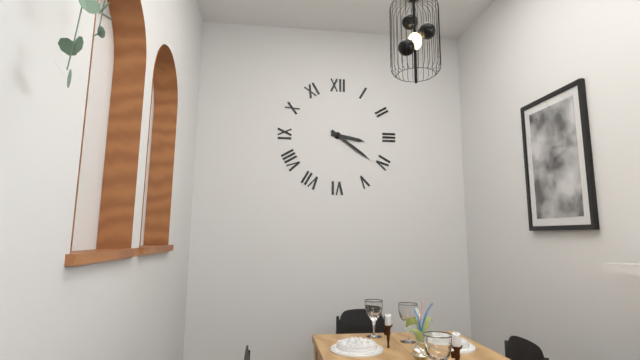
3:21
